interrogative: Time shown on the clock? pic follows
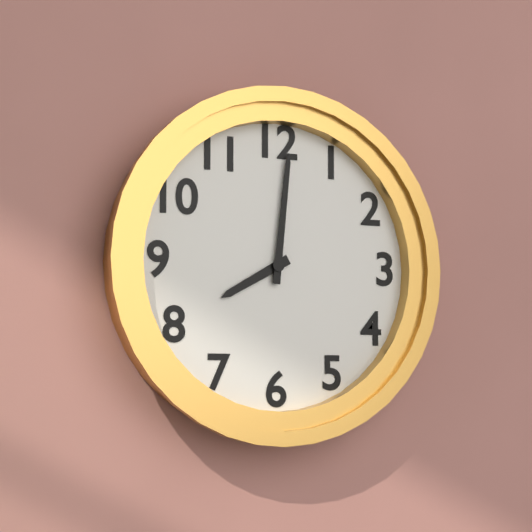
8:01
